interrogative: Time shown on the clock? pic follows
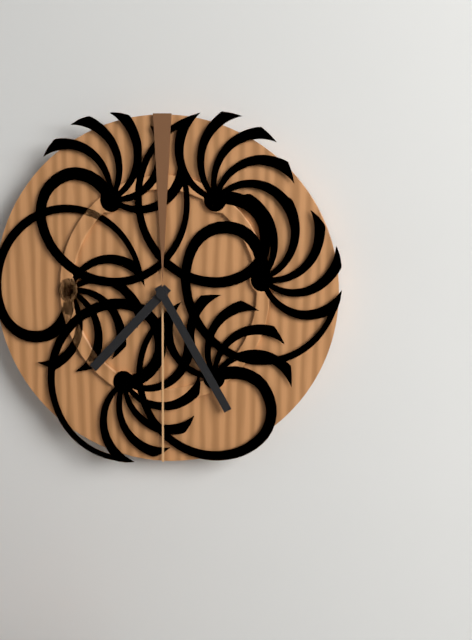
7:25
